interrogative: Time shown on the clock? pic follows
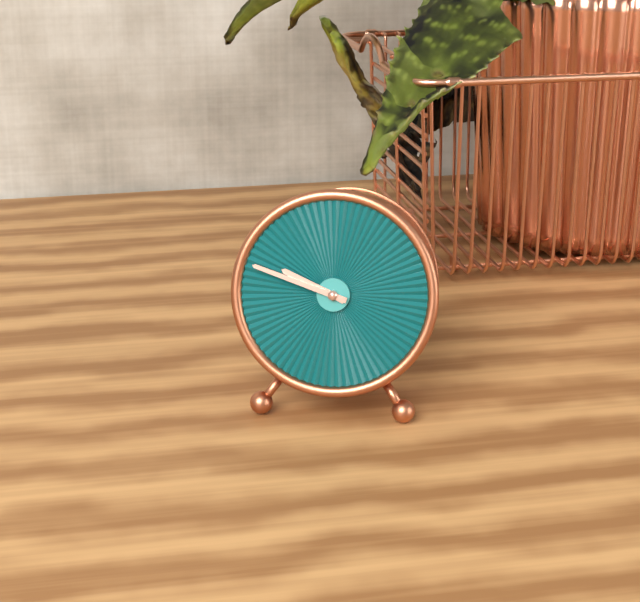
9:48
